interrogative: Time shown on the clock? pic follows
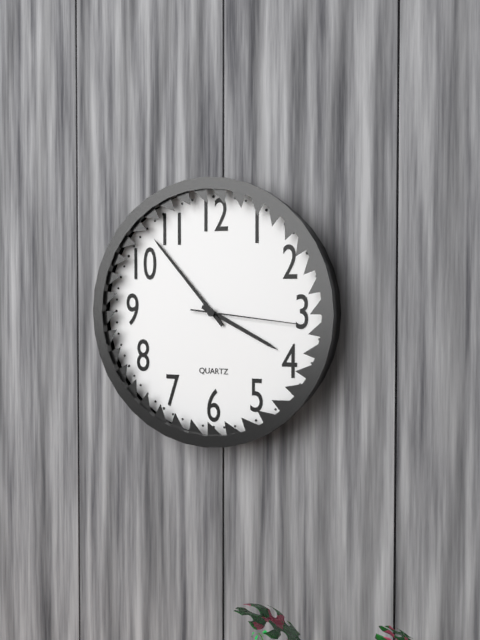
3:53:16
